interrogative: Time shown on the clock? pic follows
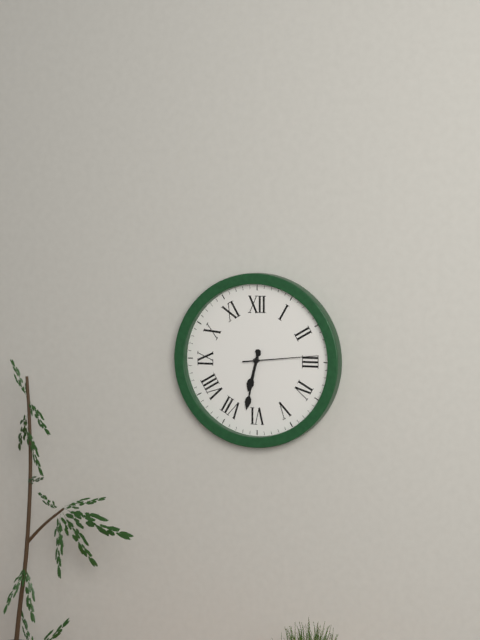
6:32:14
